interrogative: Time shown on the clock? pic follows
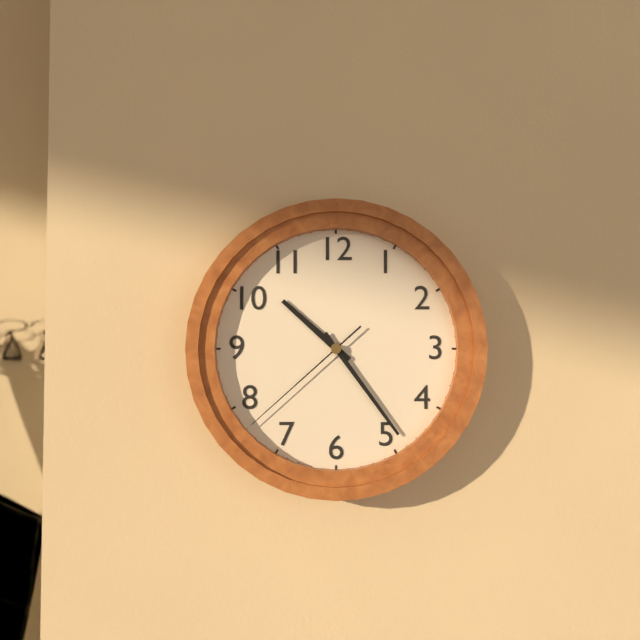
10:24:38
